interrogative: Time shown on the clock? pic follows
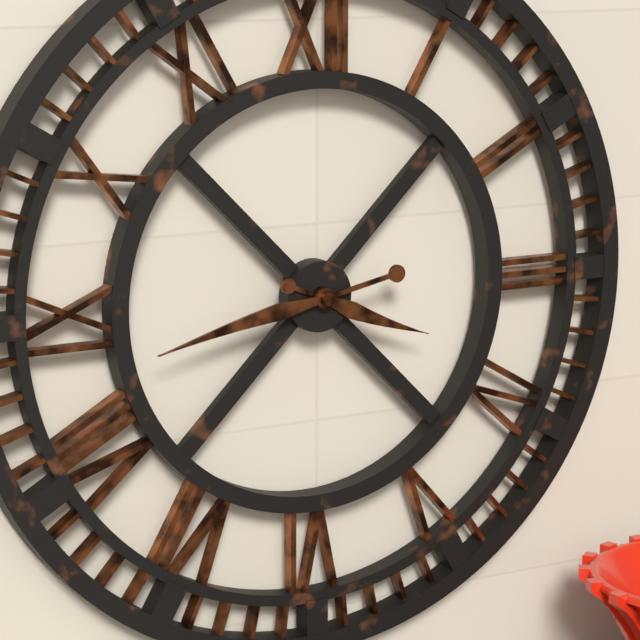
3:43
